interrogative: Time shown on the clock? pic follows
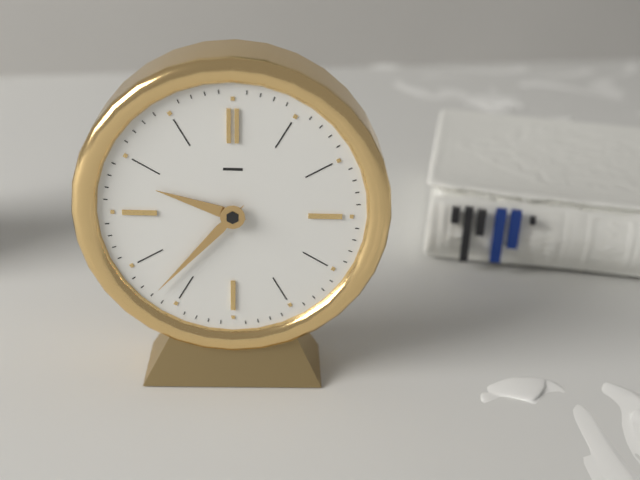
9:37
